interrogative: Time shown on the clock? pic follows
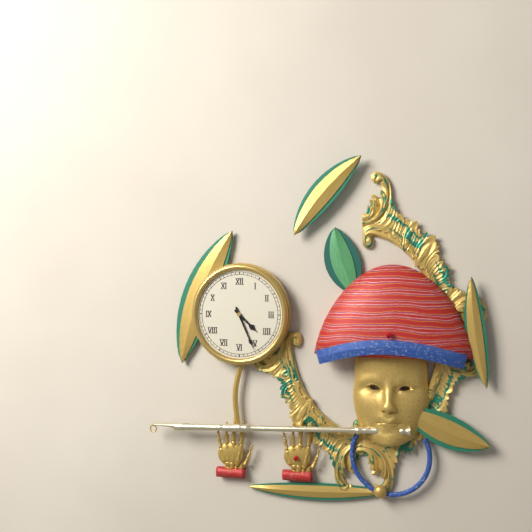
4:26
